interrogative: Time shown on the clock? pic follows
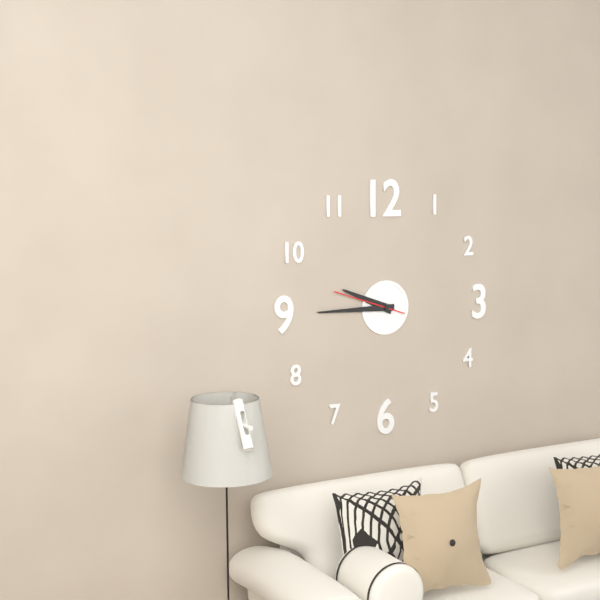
9:45:48
